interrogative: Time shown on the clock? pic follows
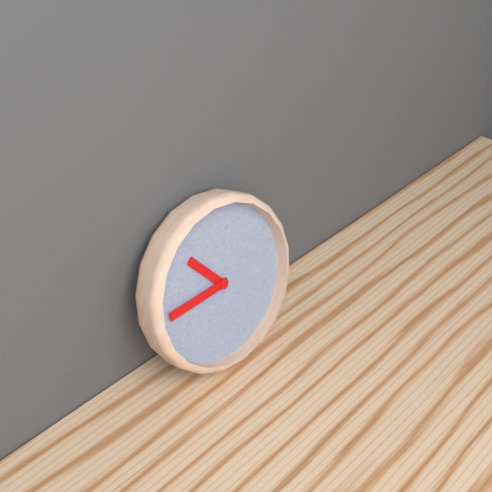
10:45
